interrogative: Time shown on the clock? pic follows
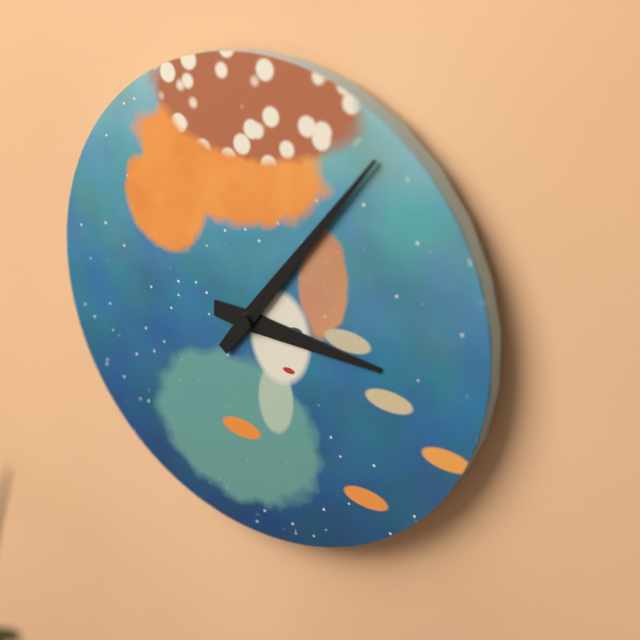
3:06
